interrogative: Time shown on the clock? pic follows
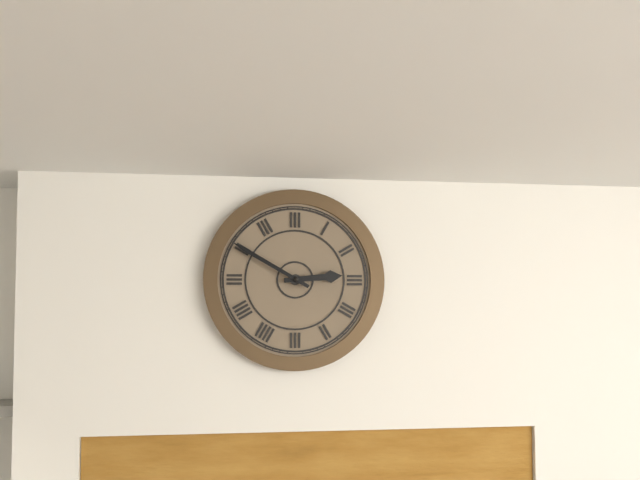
2:50
